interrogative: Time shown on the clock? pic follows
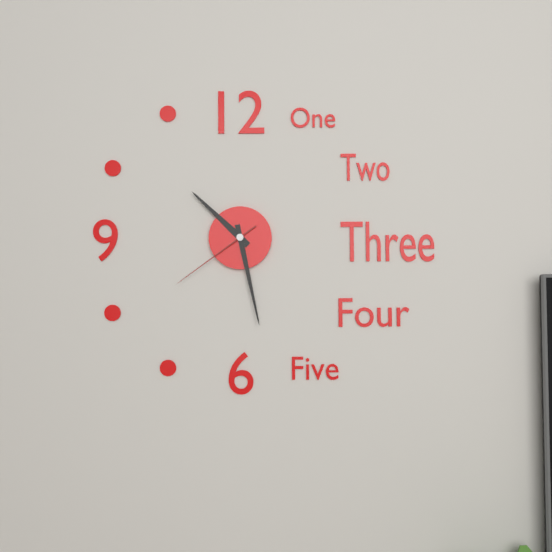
10:28:39
